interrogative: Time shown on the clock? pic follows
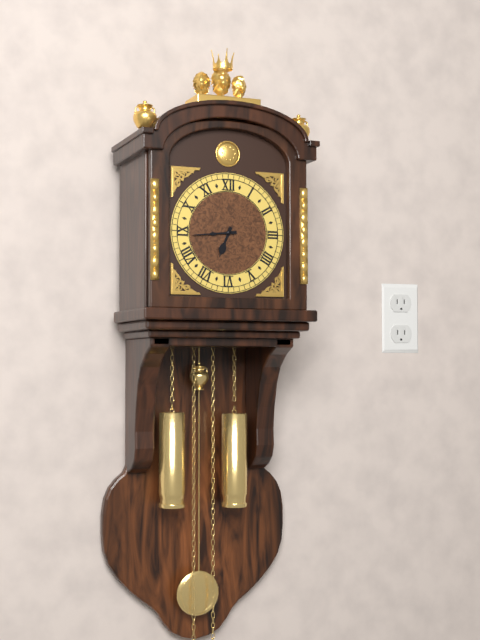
6:44
